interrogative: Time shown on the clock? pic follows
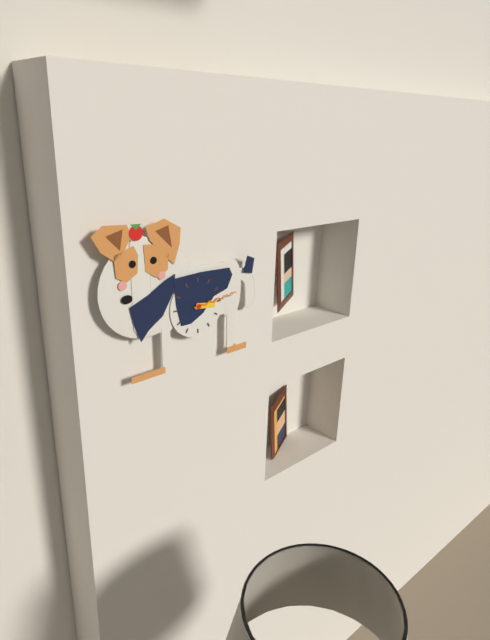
3:14
